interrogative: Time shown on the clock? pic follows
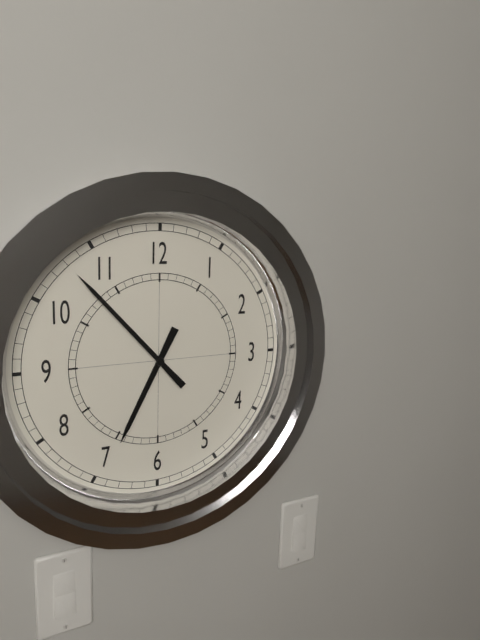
6:53
